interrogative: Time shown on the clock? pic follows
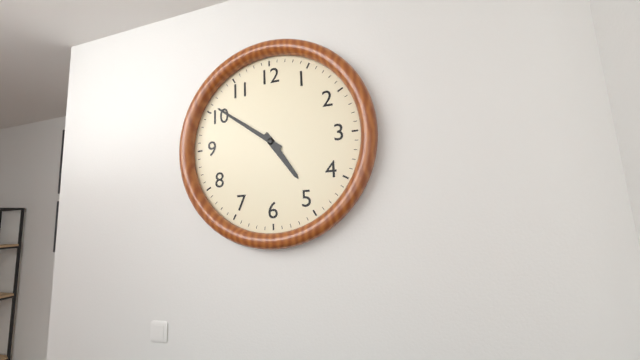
4:51
